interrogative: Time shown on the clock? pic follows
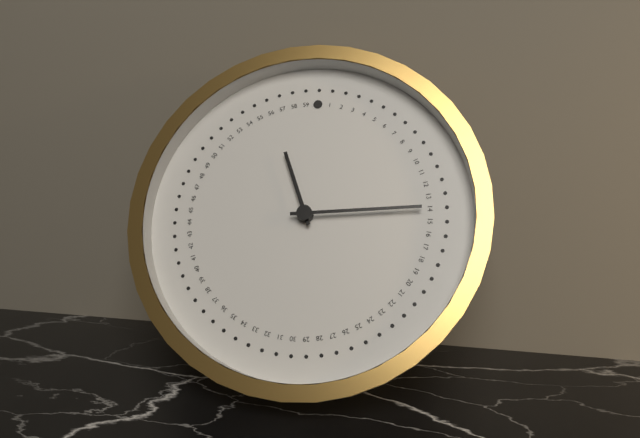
11:14
